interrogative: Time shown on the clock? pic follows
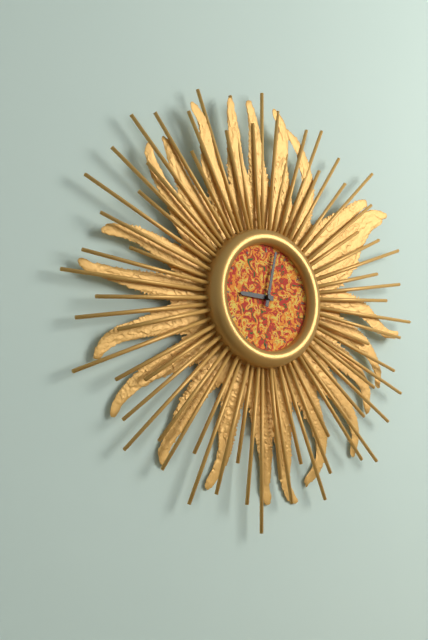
9:02
